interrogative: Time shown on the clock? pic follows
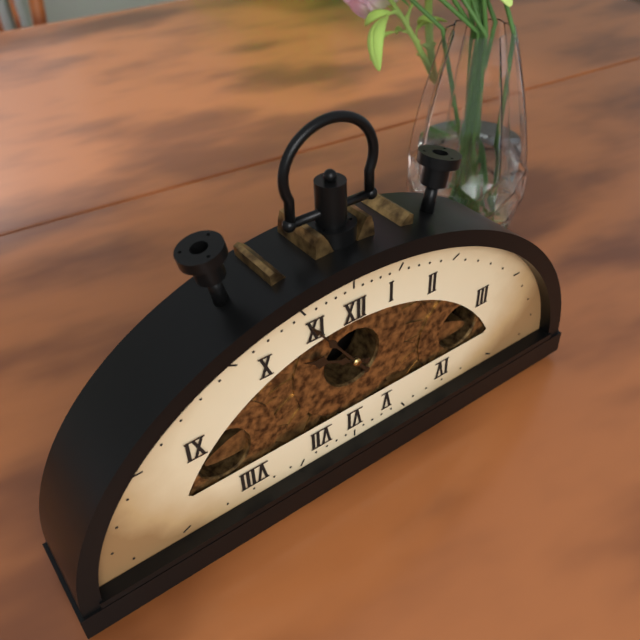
9:54
